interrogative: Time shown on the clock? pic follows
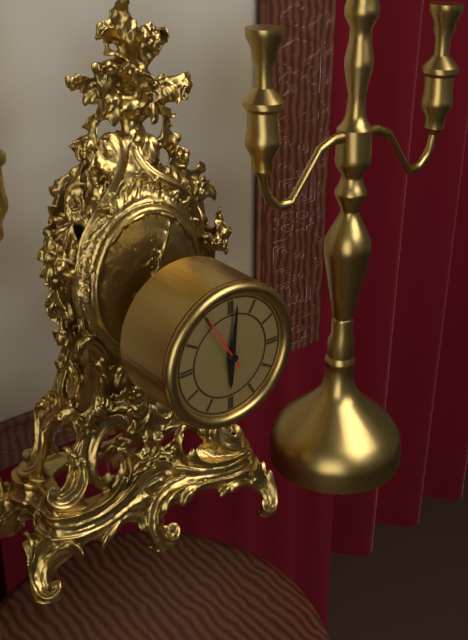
6:01:55
